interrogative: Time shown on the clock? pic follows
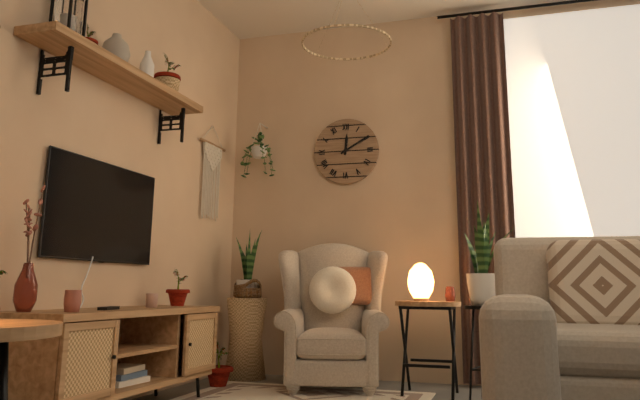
12:10
